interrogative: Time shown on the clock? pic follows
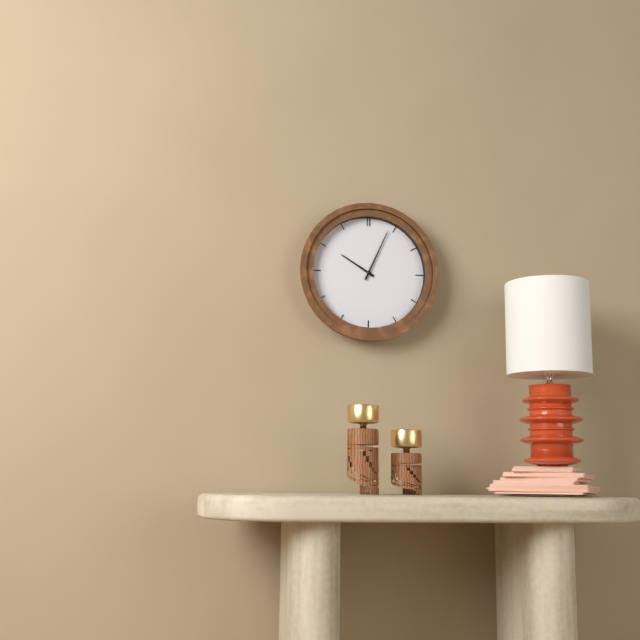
10:04
